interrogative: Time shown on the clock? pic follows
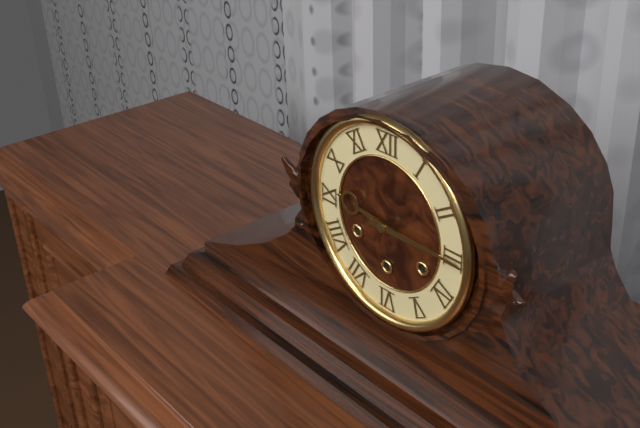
9:15
